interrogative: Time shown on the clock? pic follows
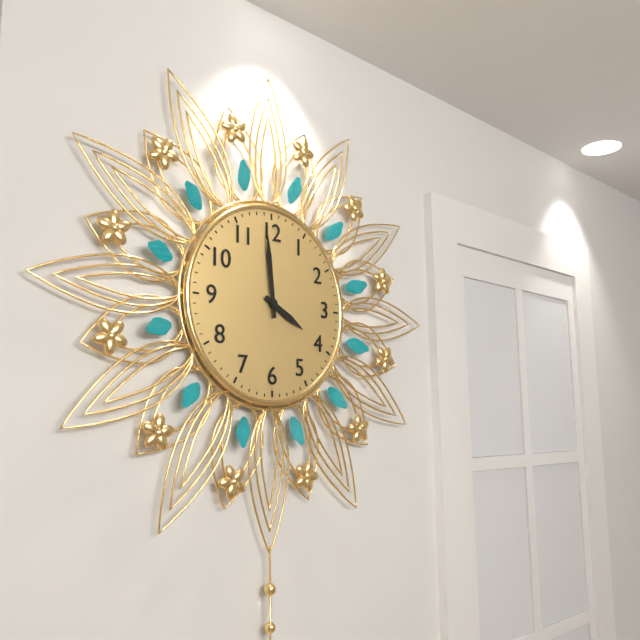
3:59
